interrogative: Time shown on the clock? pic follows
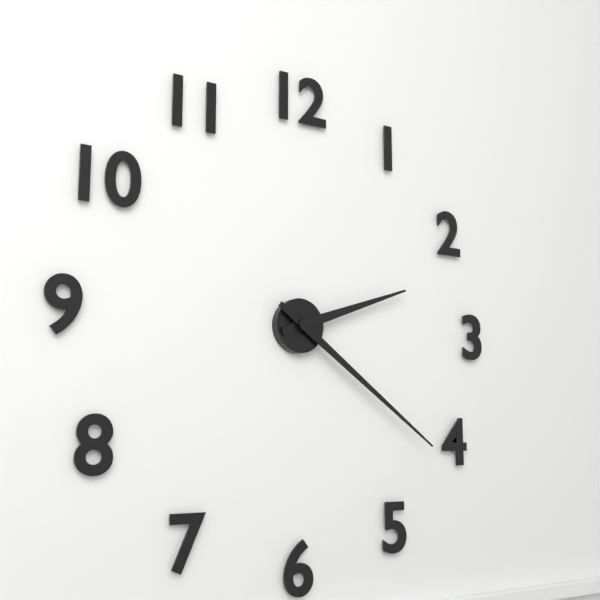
2:21
